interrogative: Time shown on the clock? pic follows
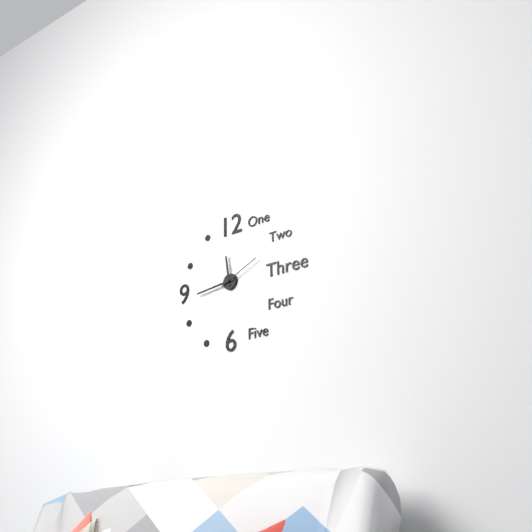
11:44
